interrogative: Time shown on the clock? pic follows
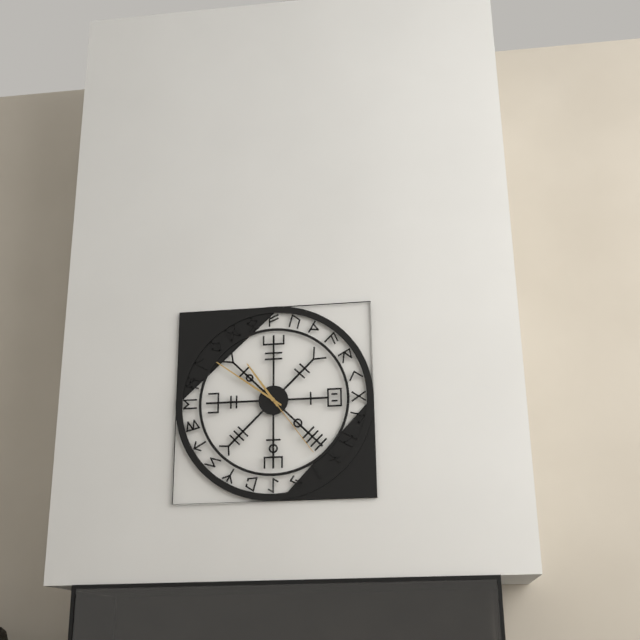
10:51:24
